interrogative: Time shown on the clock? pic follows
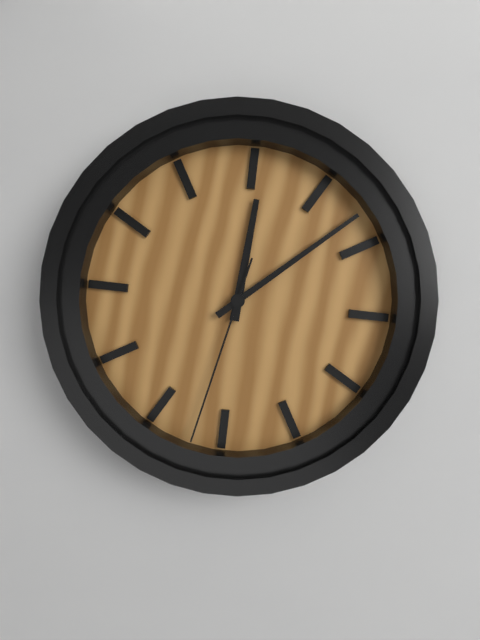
12:08:32
